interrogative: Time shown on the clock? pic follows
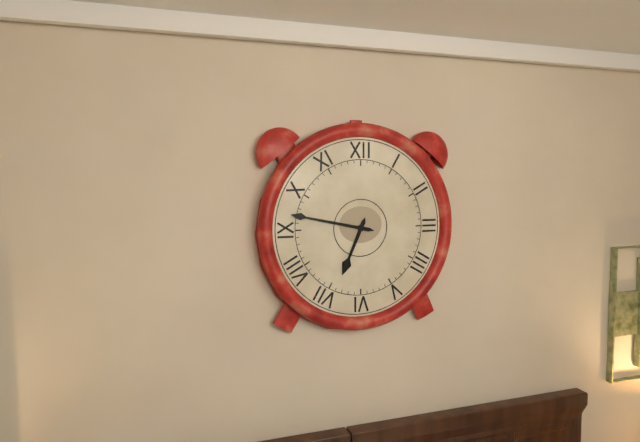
6:47
